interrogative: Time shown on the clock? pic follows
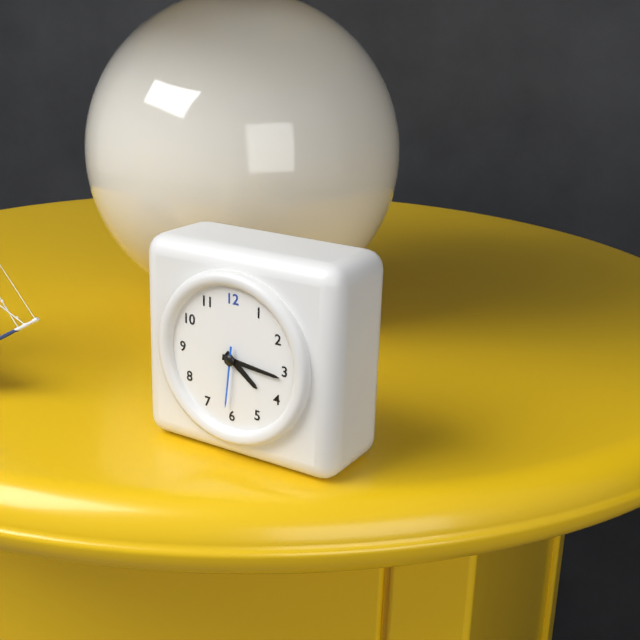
4:16:31
